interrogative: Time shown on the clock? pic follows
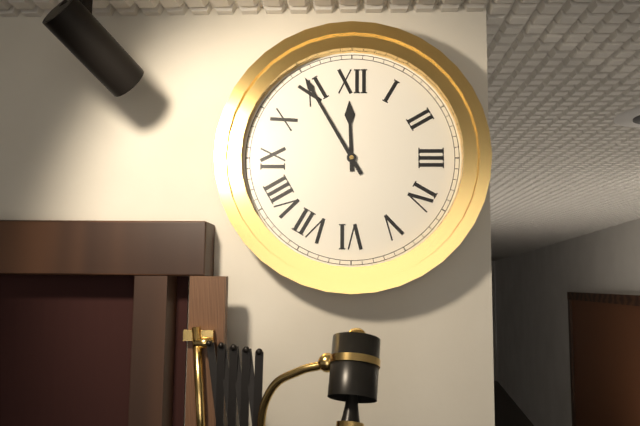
11:55
